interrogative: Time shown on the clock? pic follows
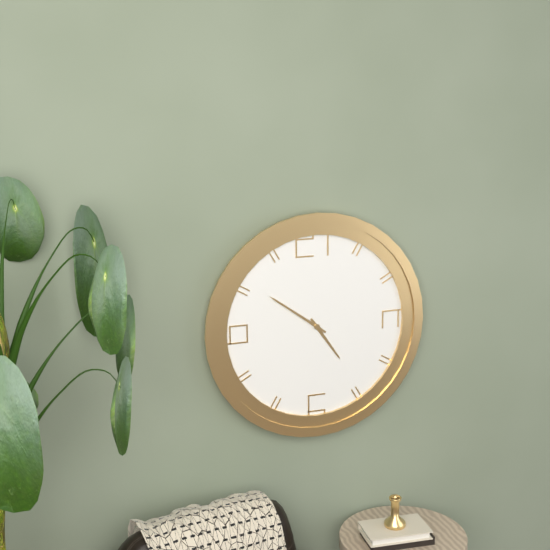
4:51
